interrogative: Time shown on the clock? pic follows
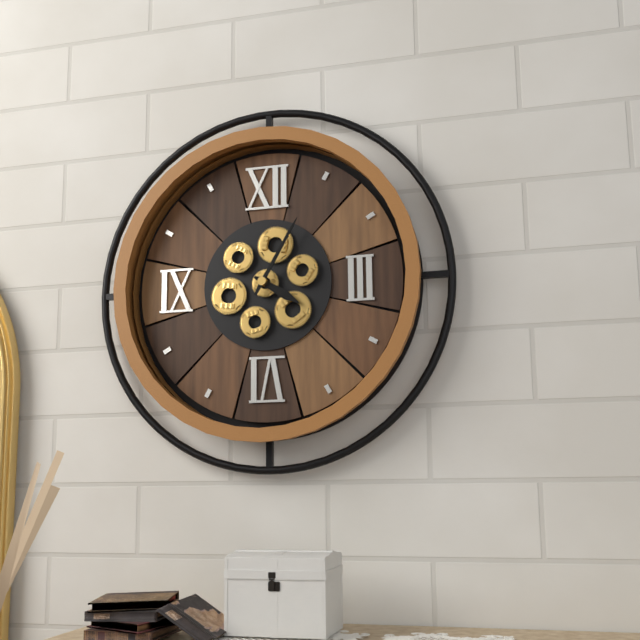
4:05
